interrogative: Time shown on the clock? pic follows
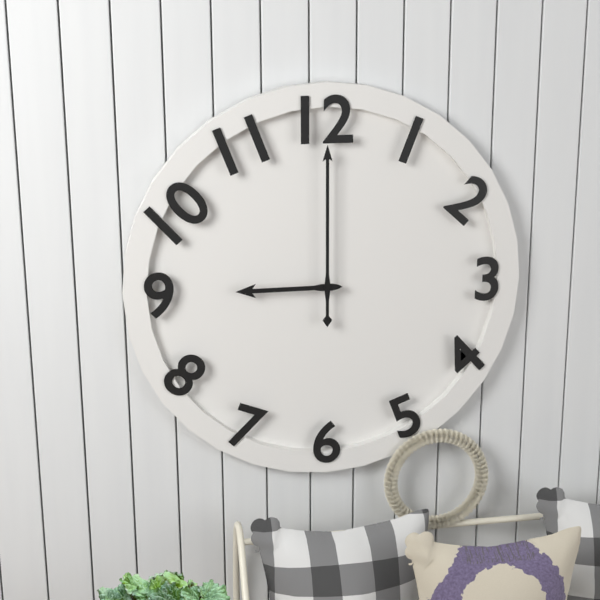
9:00
